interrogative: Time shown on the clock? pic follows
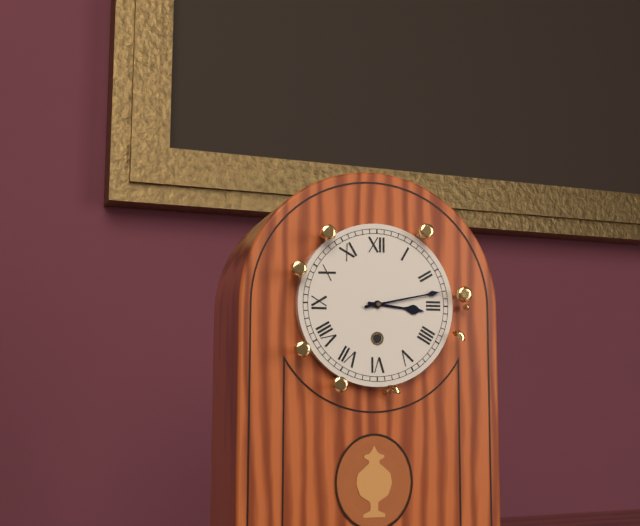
3:13
